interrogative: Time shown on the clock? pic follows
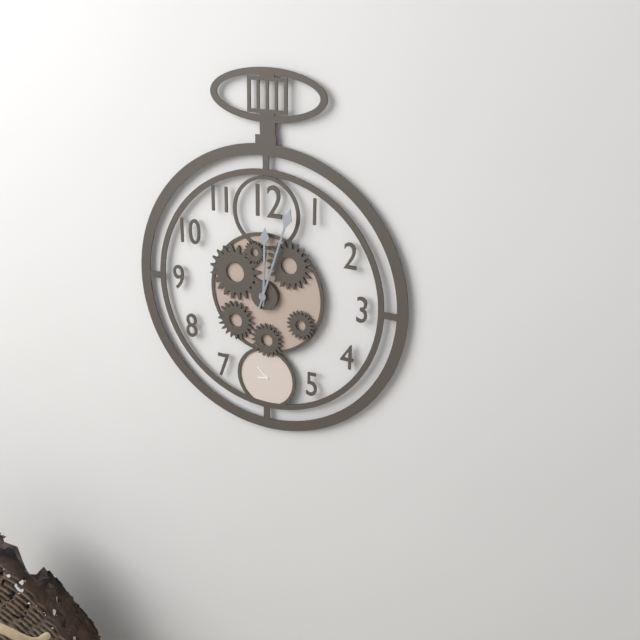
12:03
